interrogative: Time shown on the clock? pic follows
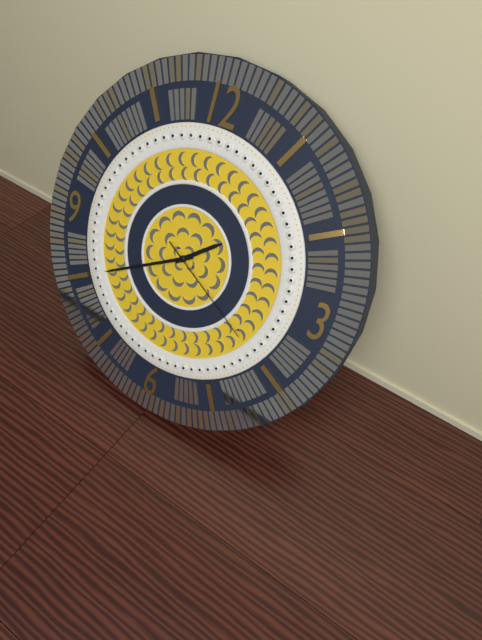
1:40:20
